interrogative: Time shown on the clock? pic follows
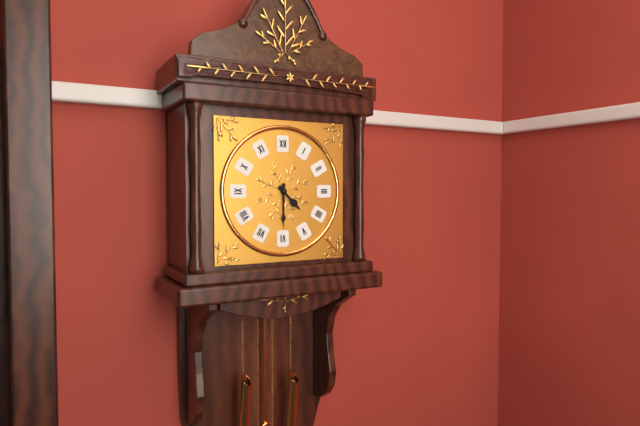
4:30
